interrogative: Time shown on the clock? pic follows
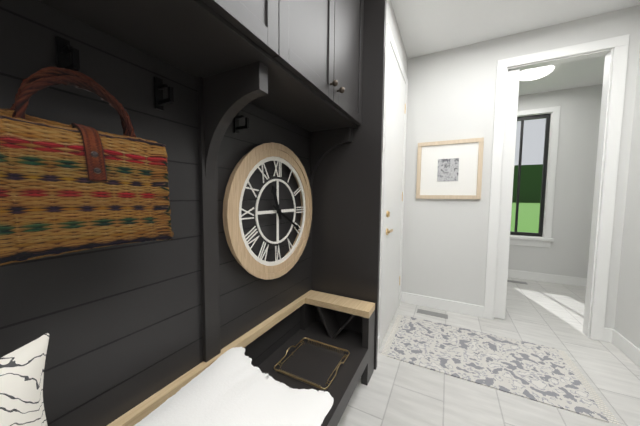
11:20
